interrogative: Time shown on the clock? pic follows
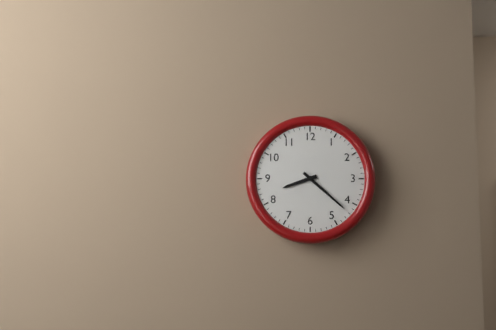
8:22
